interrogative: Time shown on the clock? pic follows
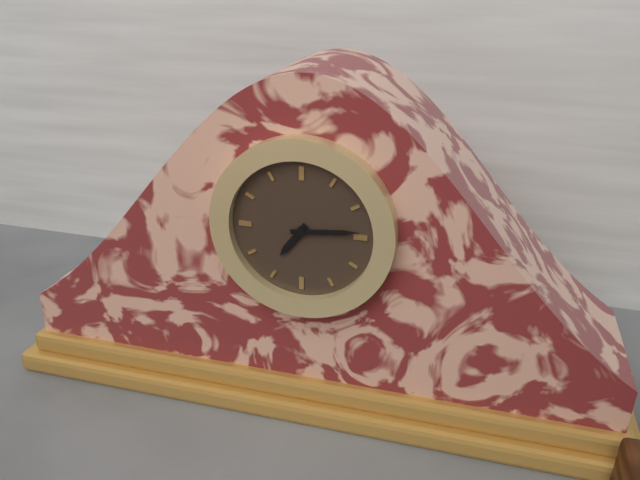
7:14
